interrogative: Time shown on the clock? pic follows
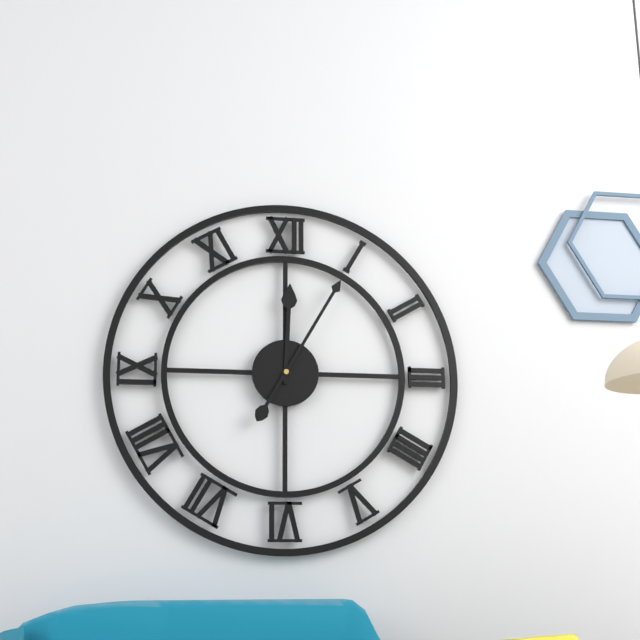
12:05
